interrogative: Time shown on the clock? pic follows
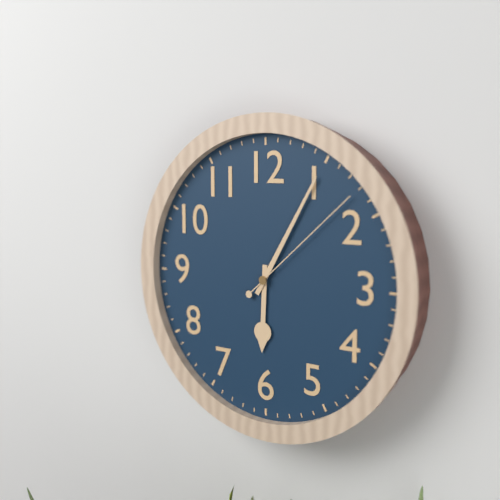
6:05:08
